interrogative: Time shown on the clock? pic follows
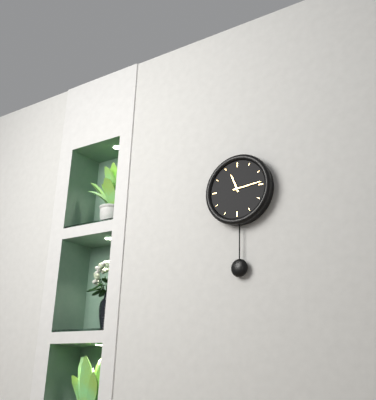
11:14
